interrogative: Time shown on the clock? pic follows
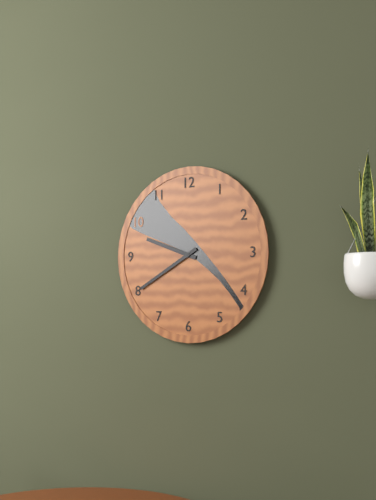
9:40
